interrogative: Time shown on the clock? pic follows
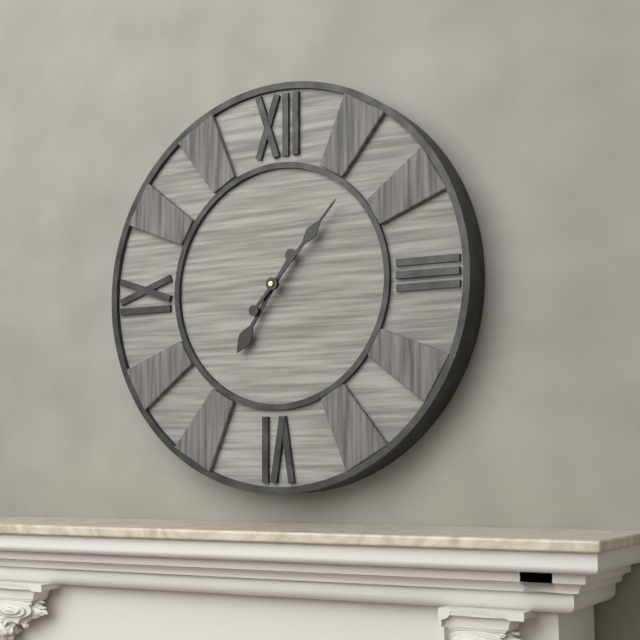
7:07
